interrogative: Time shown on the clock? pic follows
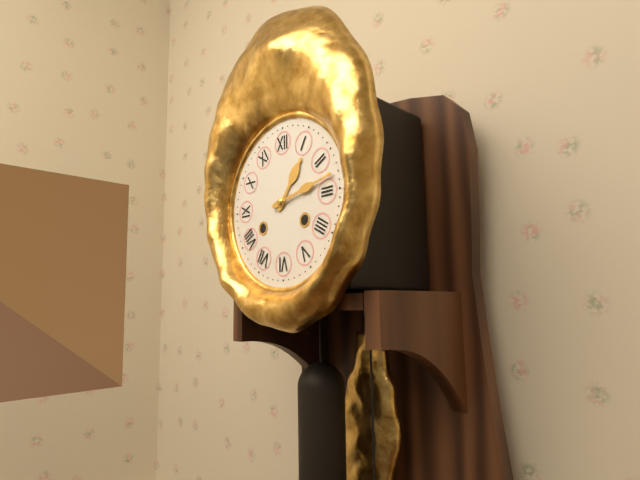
1:13
